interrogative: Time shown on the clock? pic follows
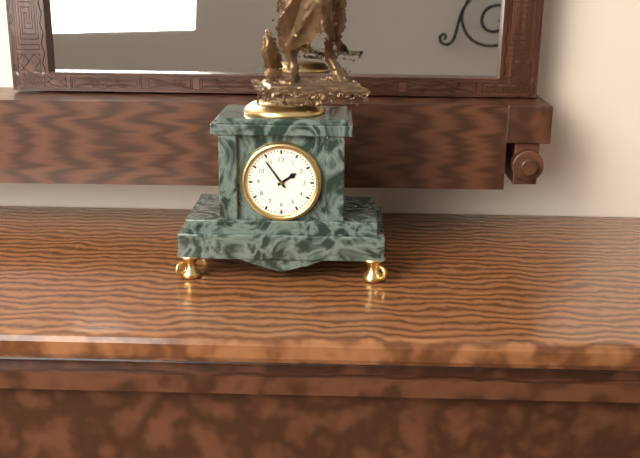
1:54
